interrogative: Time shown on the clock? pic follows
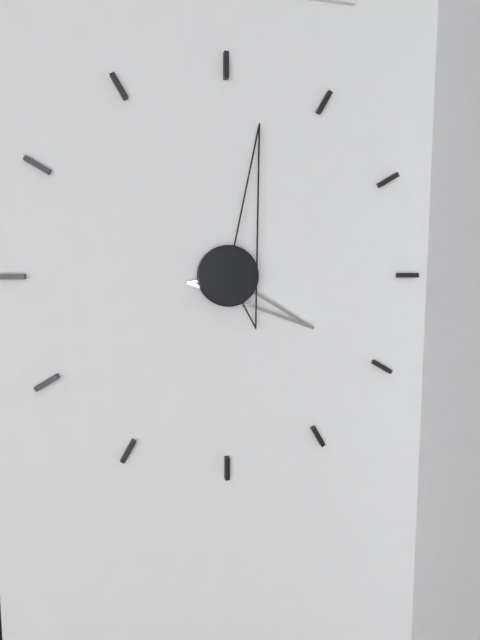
4:02
